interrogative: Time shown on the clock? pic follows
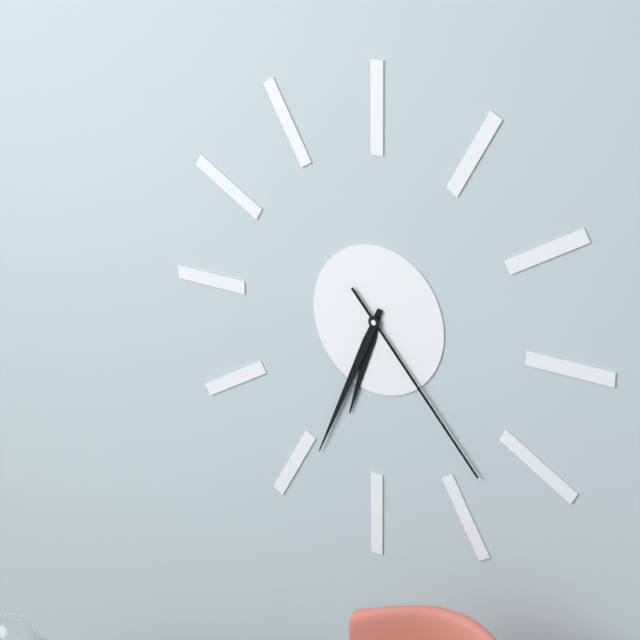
6:34:23
